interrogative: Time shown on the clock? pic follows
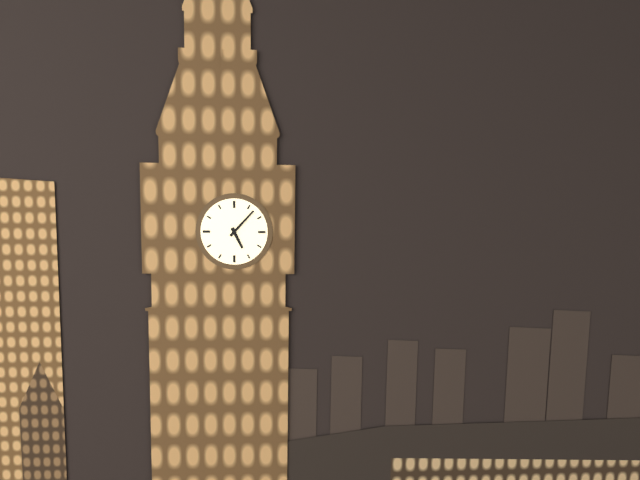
5:07
